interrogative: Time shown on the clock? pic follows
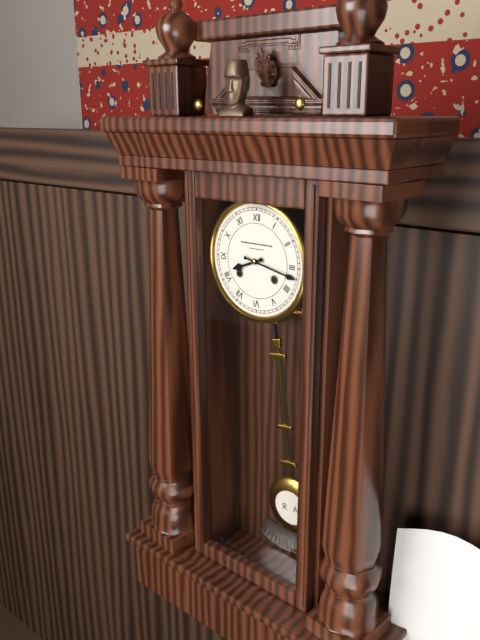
8:17
